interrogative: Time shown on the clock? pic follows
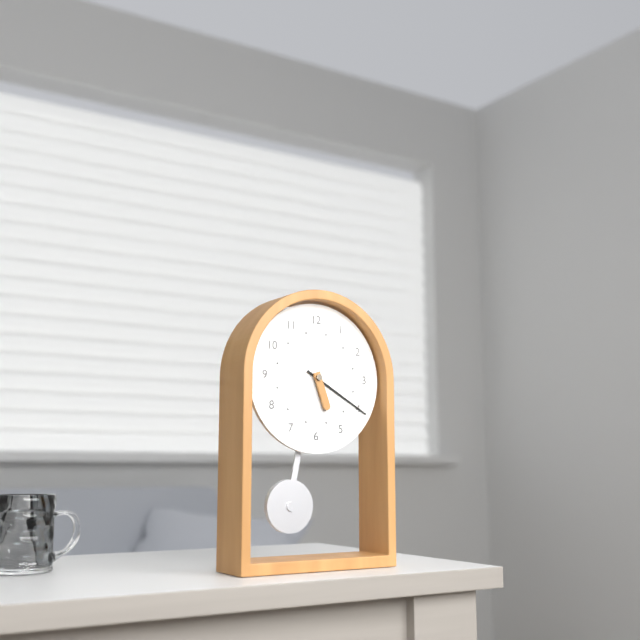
5:20
